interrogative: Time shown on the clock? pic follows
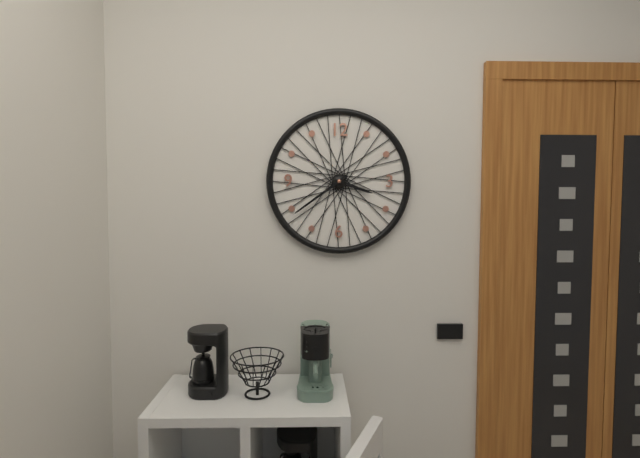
3:39
